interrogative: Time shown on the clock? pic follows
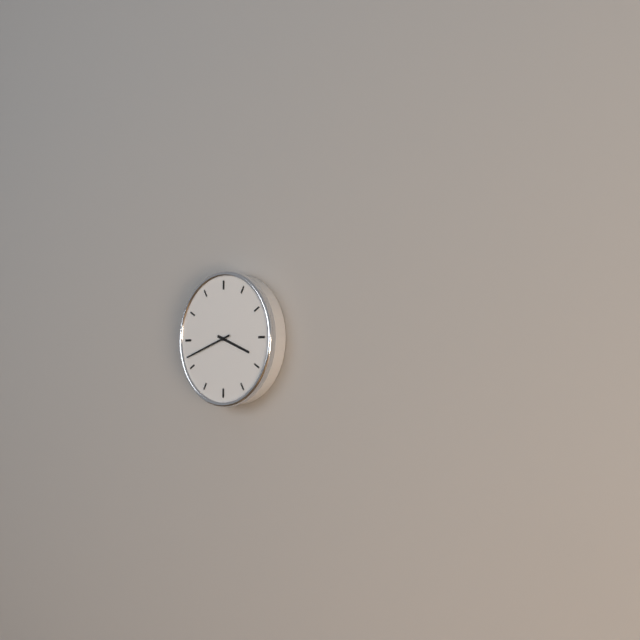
3:42
